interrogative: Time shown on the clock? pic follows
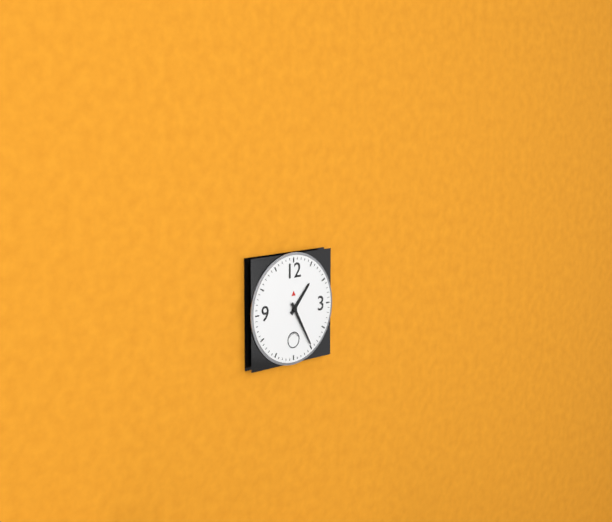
1:25
